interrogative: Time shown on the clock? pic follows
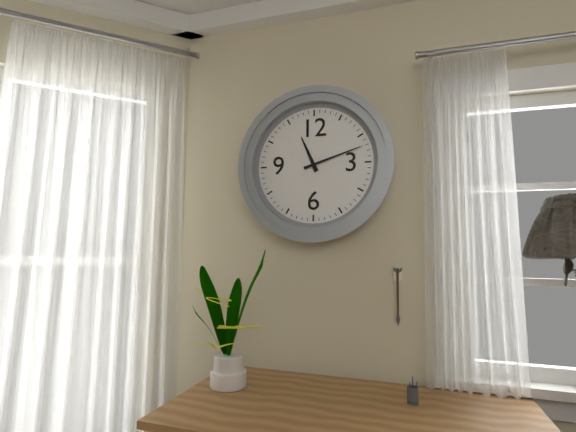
11:12
